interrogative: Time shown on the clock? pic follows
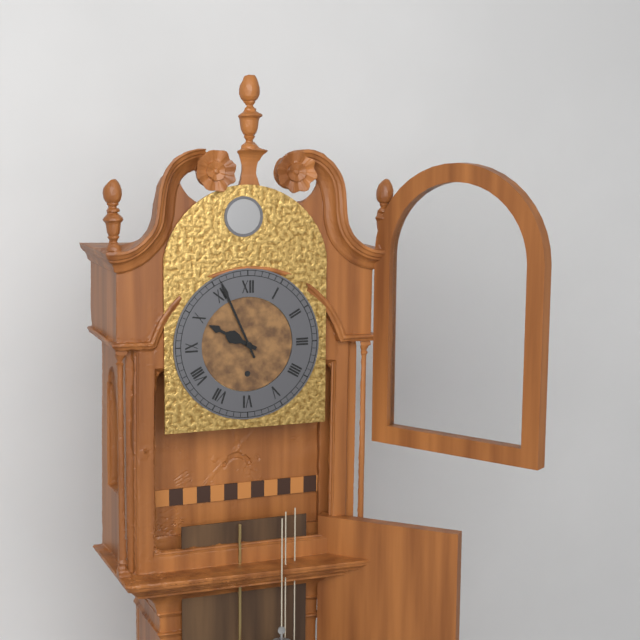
9:56
